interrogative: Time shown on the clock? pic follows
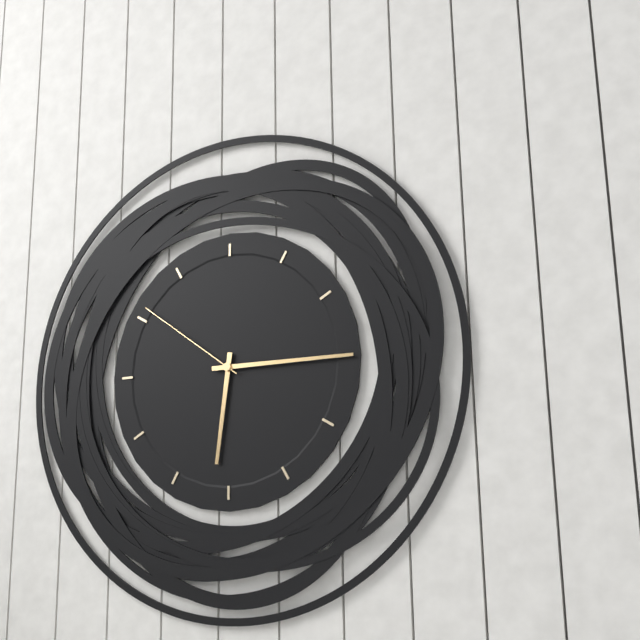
6:15:51
